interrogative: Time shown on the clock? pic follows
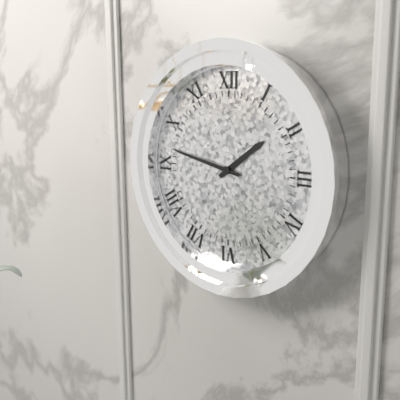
1:47
